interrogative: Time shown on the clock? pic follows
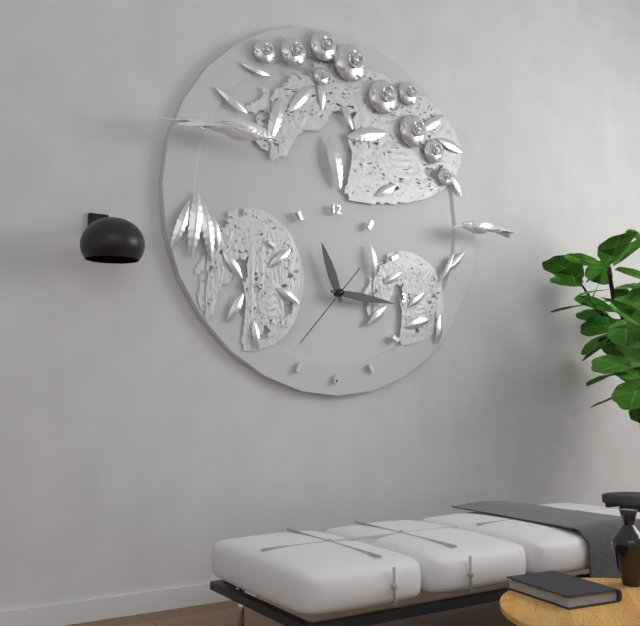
11:16:37
